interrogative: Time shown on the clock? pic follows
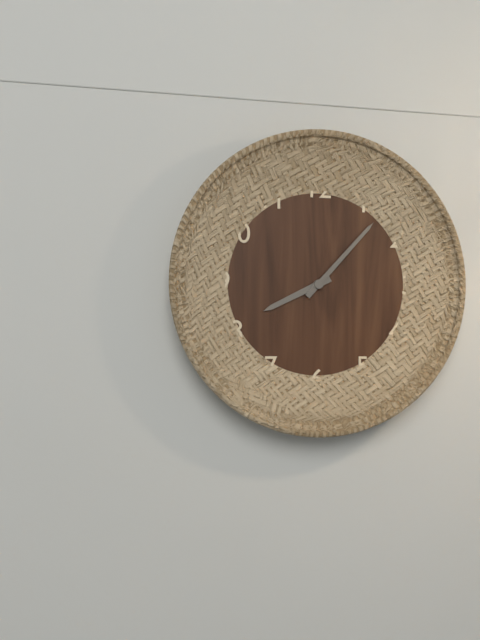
8:07
